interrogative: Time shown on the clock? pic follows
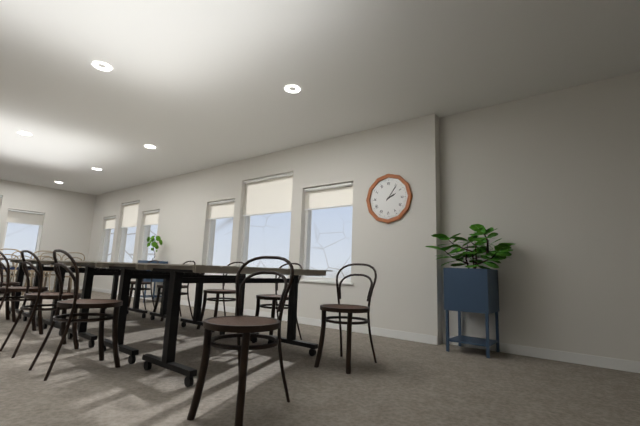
2:06
